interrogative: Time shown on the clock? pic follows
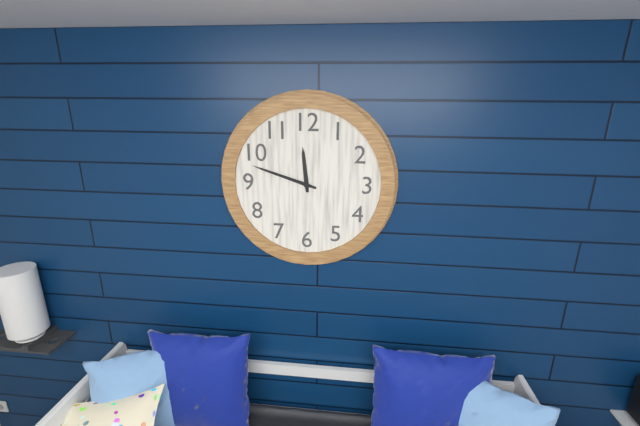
11:48
